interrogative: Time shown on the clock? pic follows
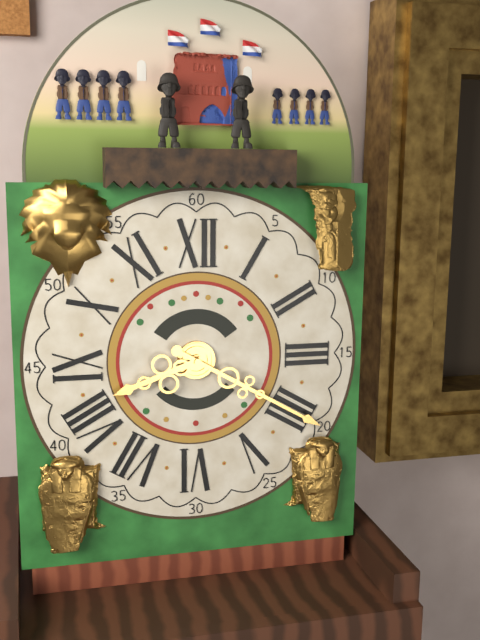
8:20
